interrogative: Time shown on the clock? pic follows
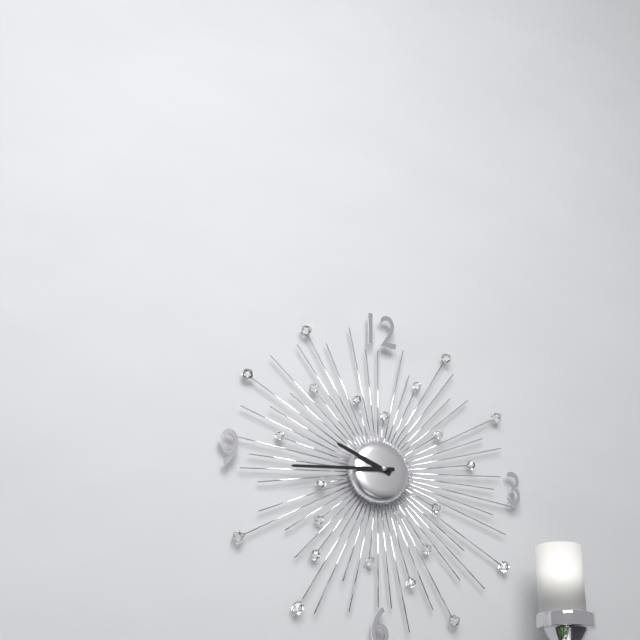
9:44
